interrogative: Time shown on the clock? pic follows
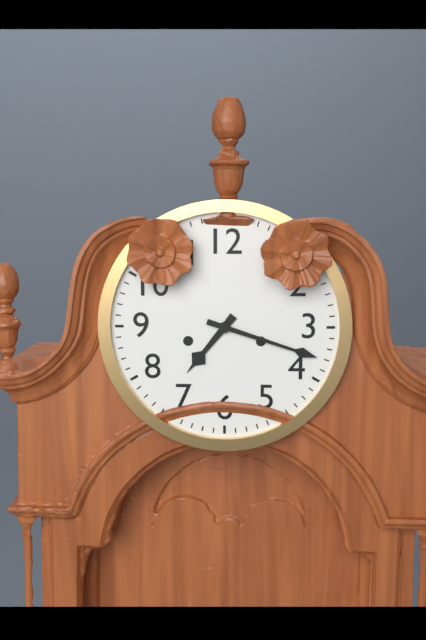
7:18
